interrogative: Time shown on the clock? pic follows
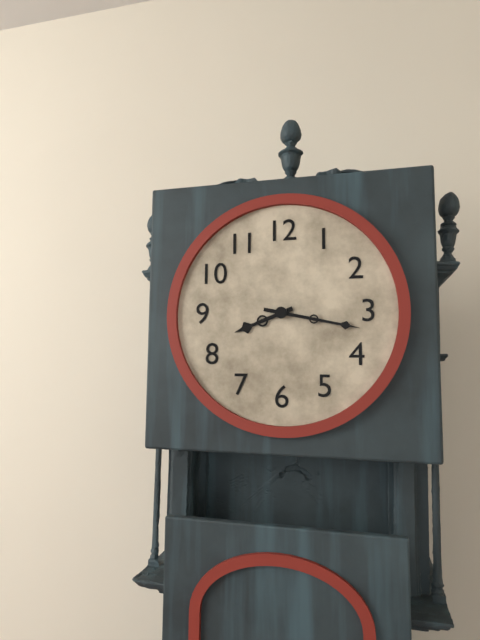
8:17
